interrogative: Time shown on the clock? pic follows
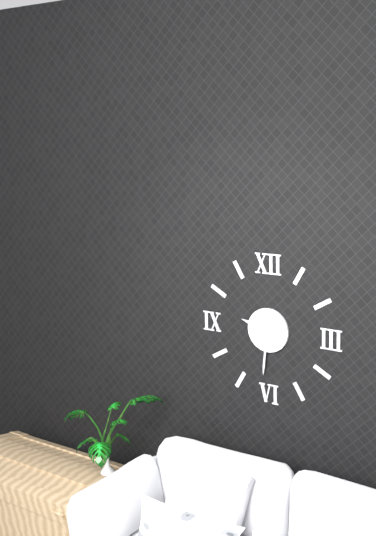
9:31
